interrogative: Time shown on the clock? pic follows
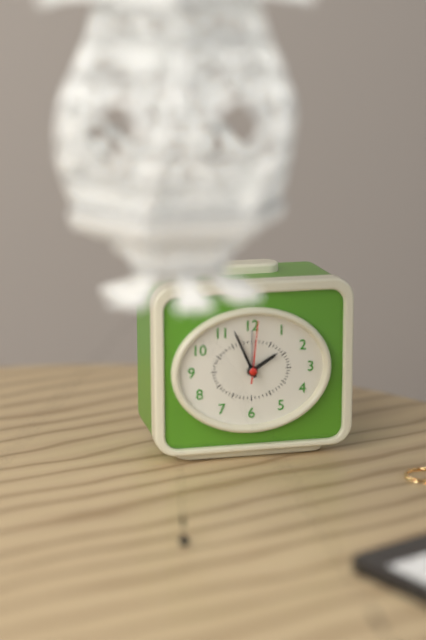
1:56:01
